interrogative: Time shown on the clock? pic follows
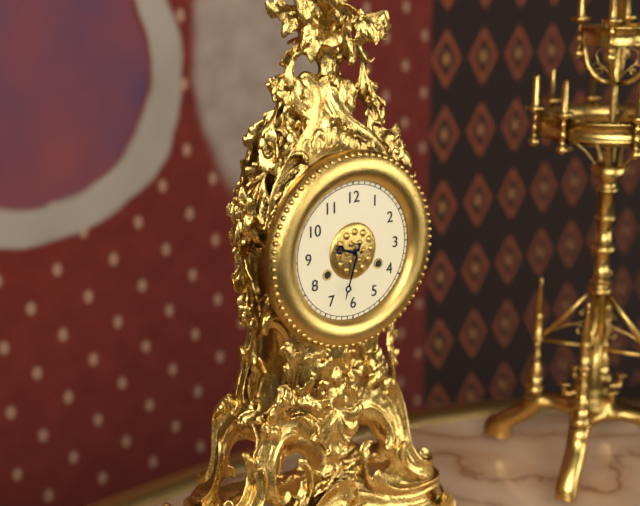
9:33
